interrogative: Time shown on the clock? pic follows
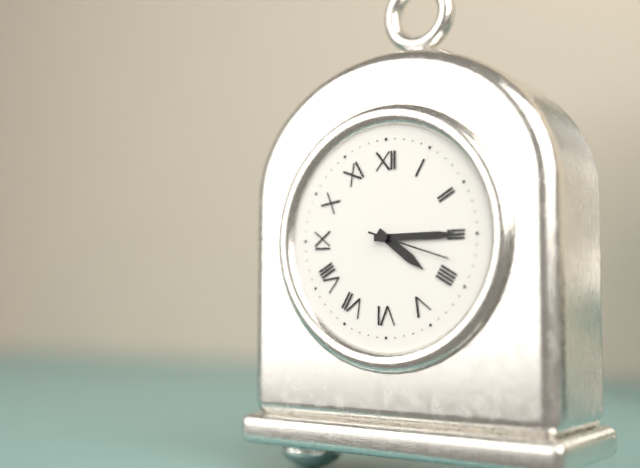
4:15:18
